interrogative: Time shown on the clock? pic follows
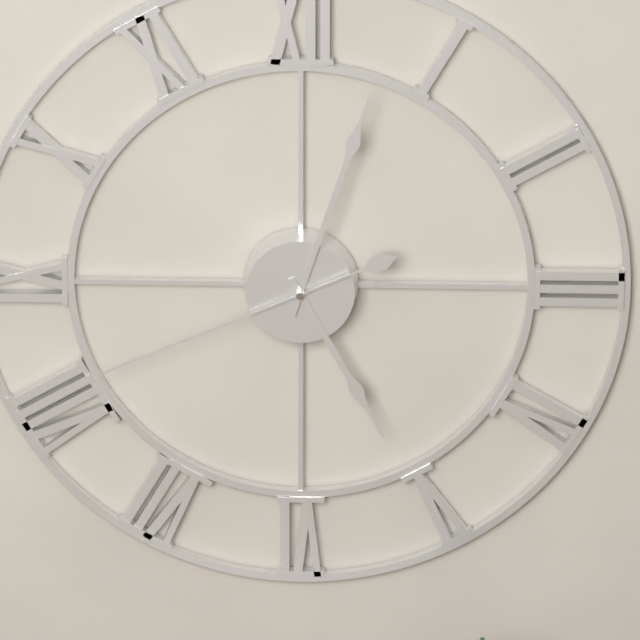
5:03:41
